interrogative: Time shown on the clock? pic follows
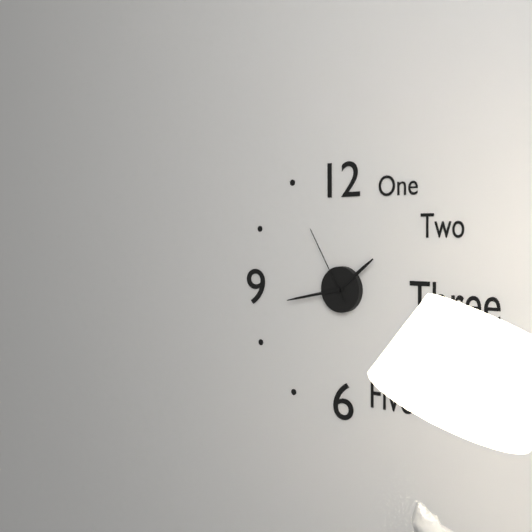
1:43:55
